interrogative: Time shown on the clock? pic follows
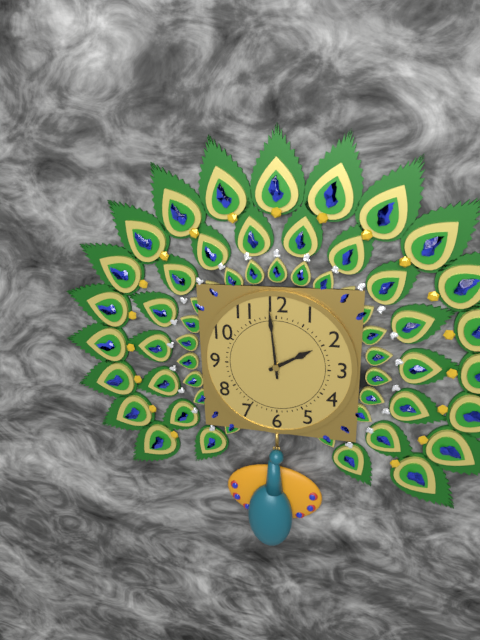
1:59
